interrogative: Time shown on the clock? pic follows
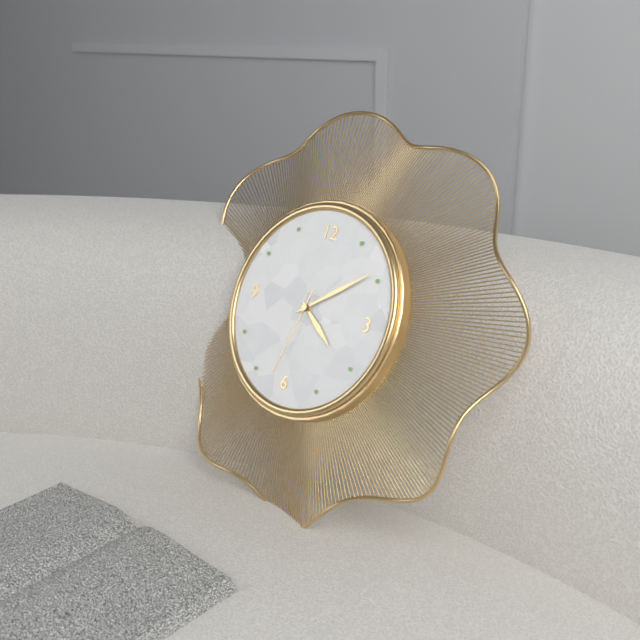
4:09:32
